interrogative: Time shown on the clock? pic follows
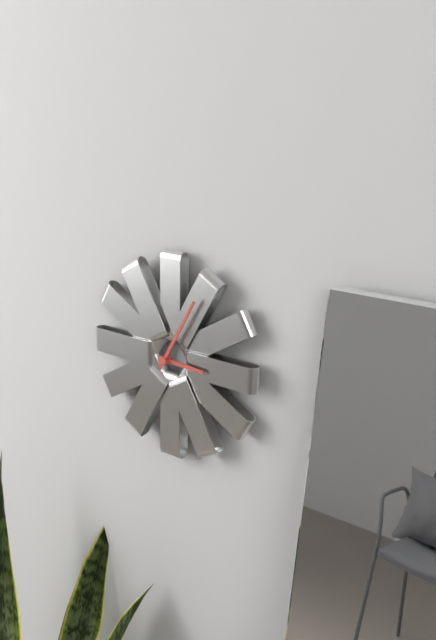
3:05
